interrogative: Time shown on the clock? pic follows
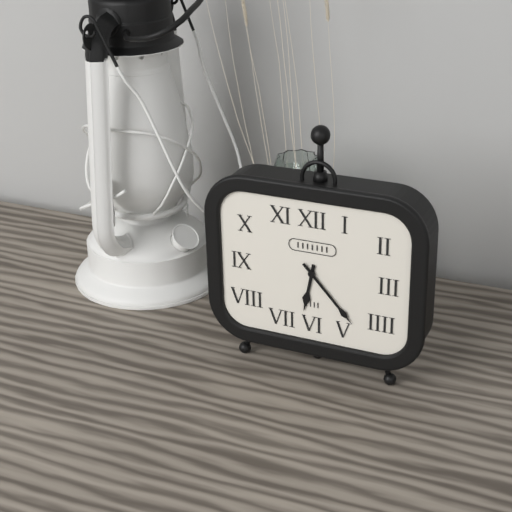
6:23
